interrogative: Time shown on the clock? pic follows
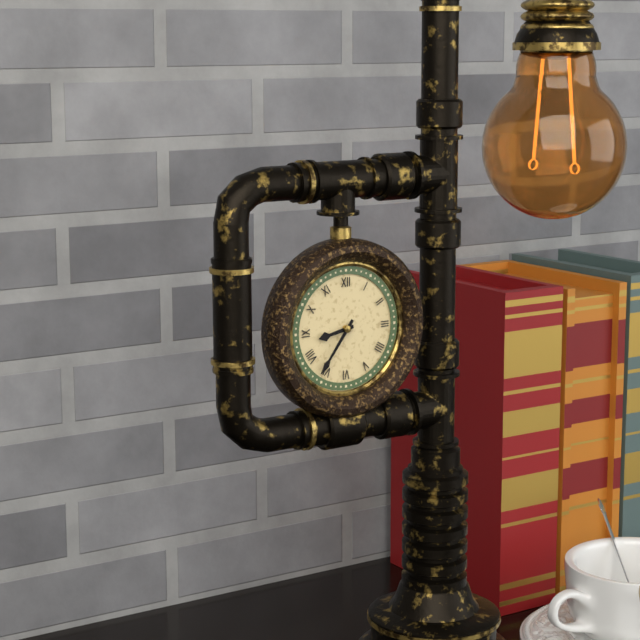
8:36
